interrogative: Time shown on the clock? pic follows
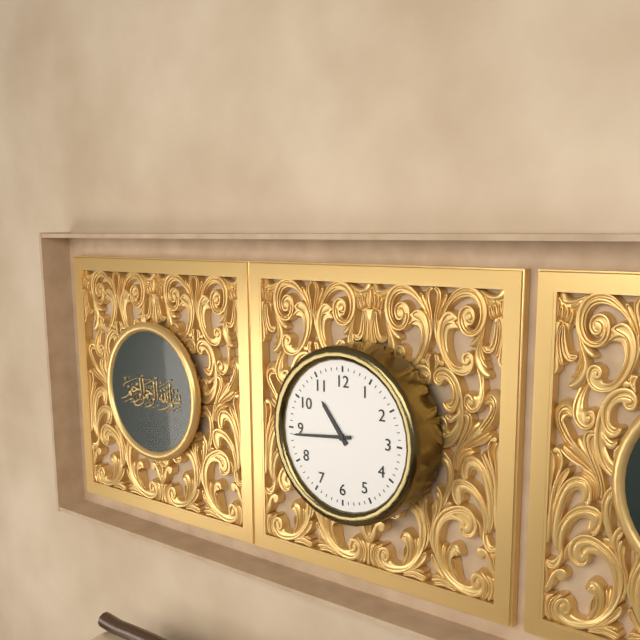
10:44
